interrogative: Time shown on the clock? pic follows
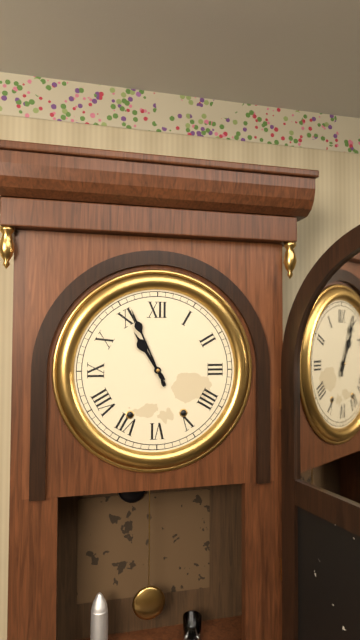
10:56
